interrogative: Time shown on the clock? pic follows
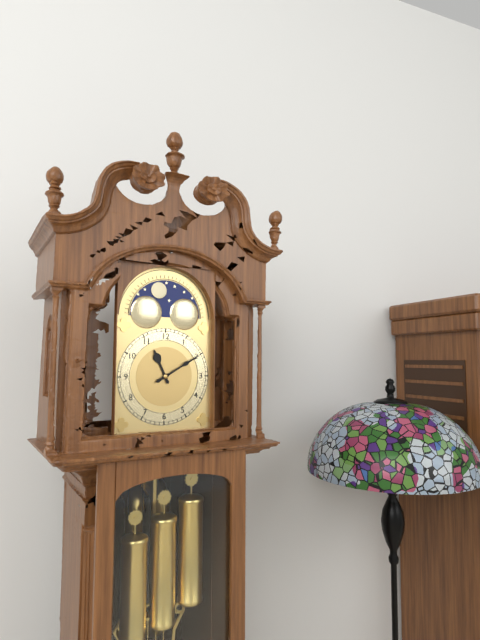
11:10
